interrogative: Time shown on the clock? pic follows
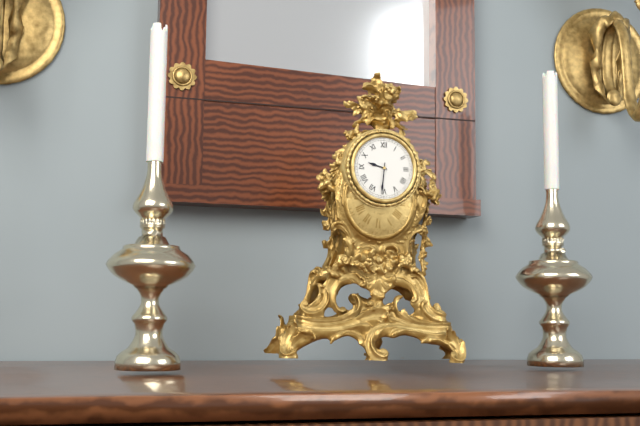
9:31
